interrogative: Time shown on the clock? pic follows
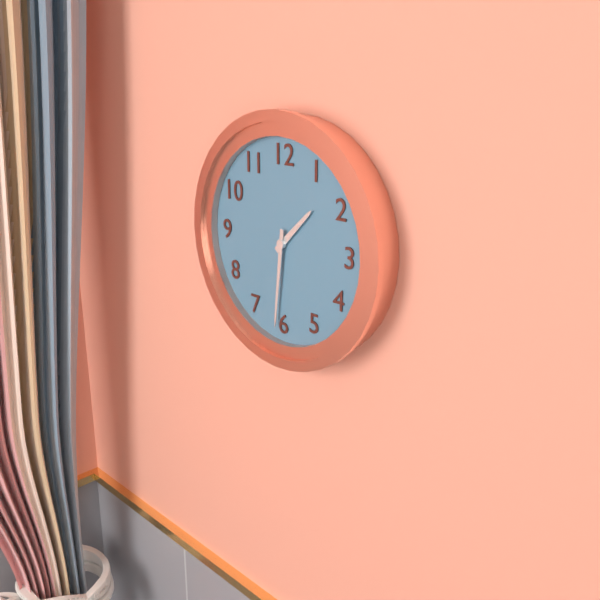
1:31
